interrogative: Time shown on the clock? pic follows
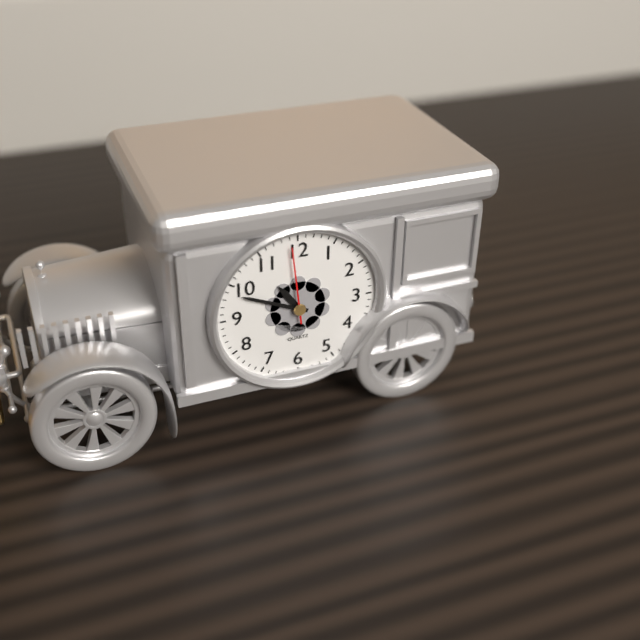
10:49:59
